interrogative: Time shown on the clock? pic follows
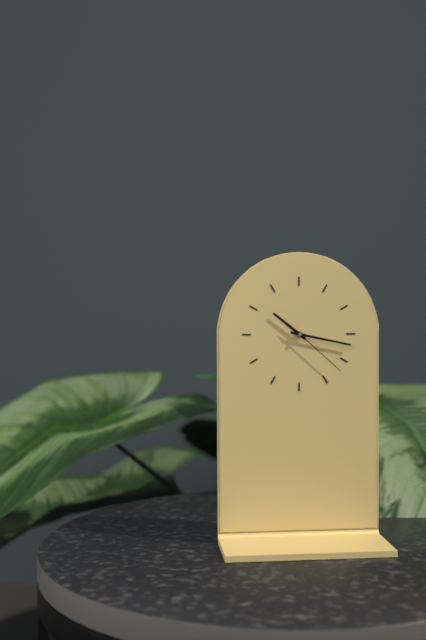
10:17:22
